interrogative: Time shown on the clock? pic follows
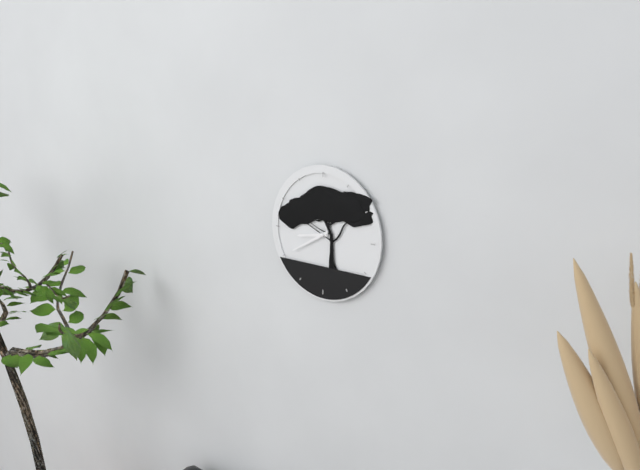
8:40
